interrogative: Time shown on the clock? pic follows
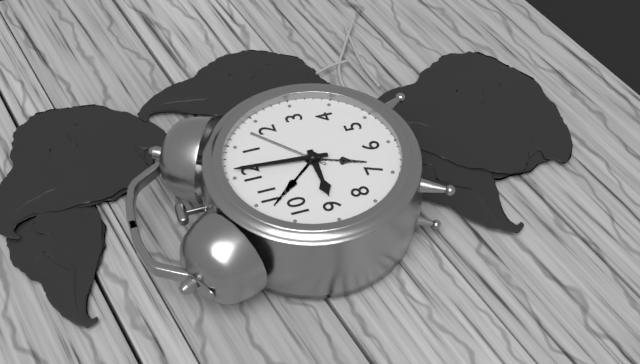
9:01
